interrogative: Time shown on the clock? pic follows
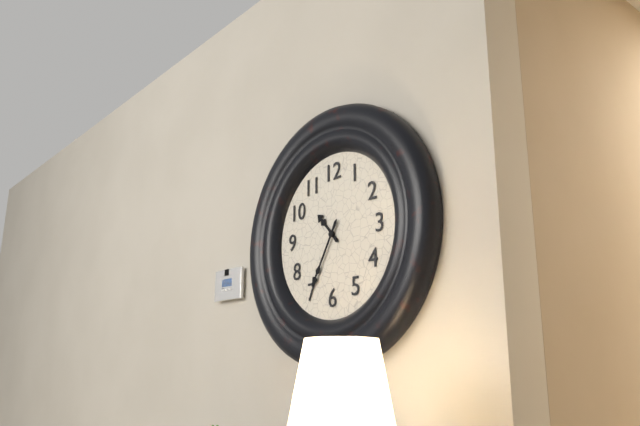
10:35
